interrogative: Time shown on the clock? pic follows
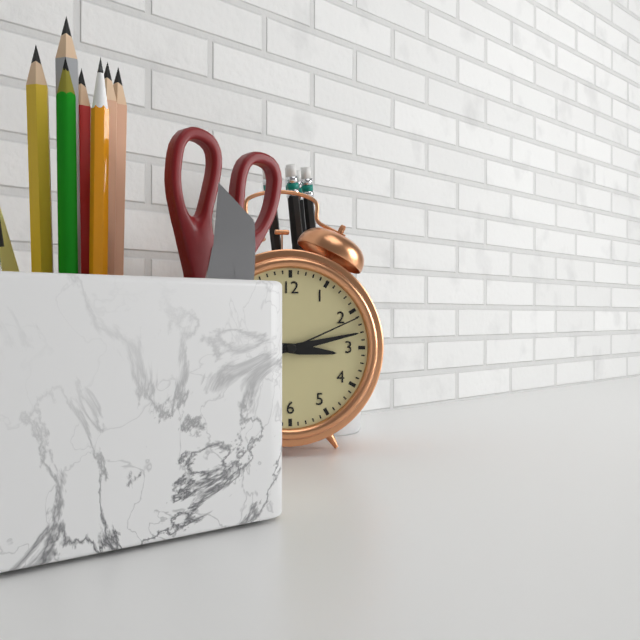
3:13:11
